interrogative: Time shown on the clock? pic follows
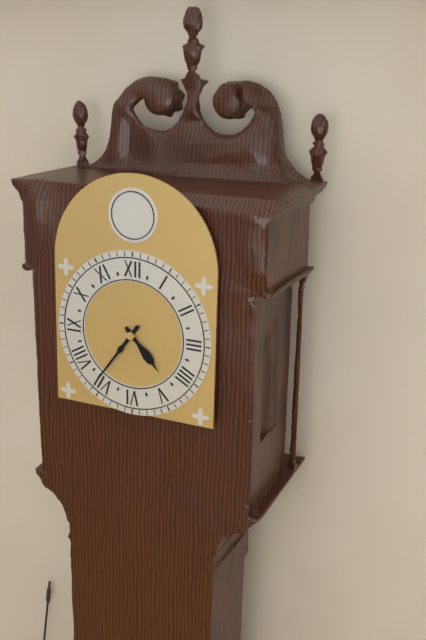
4:36
